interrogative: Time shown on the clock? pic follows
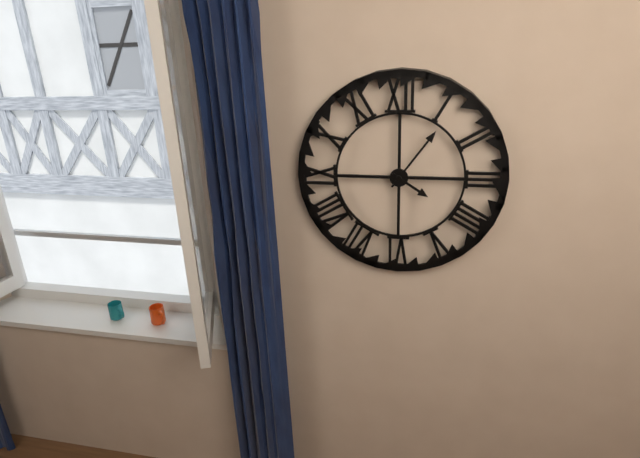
4:06
